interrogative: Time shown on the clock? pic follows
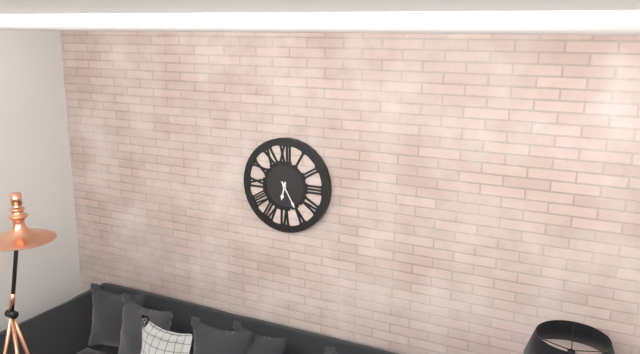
6:25
